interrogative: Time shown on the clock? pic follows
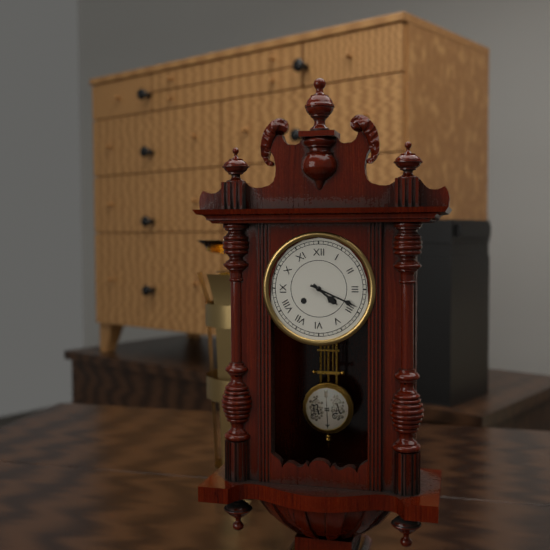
4:19
